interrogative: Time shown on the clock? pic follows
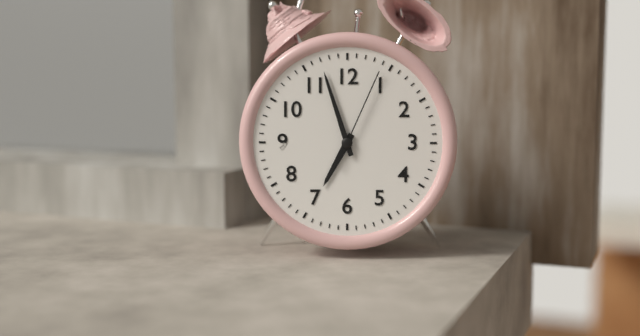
6:57:04
